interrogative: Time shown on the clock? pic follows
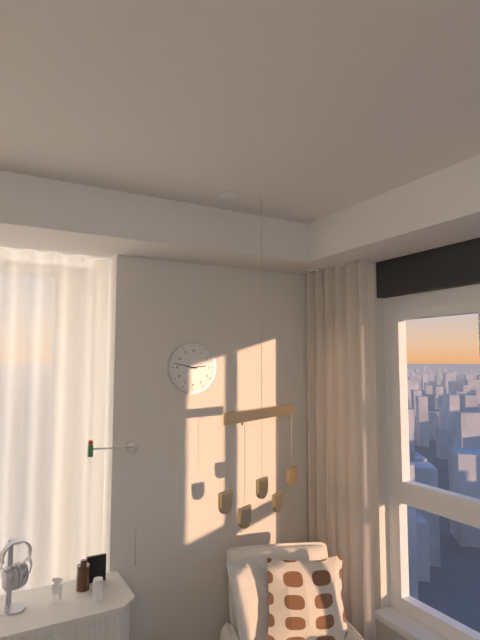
2:47
